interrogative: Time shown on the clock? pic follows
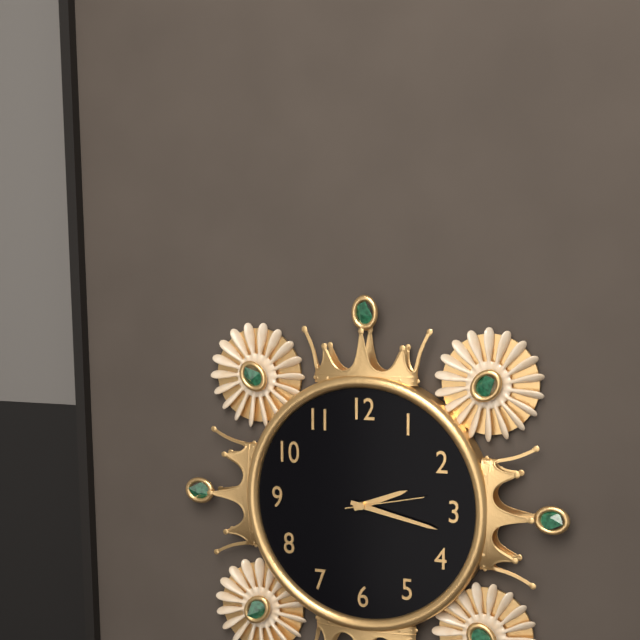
2:17:13
